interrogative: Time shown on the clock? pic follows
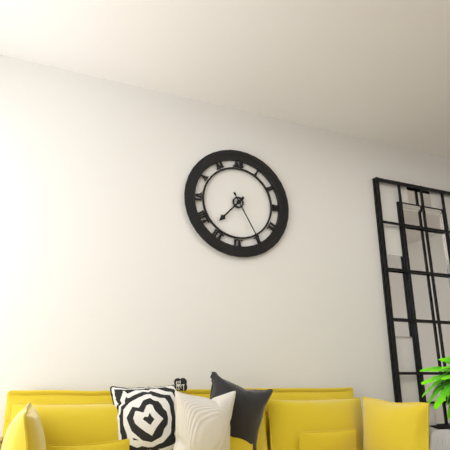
7:25
